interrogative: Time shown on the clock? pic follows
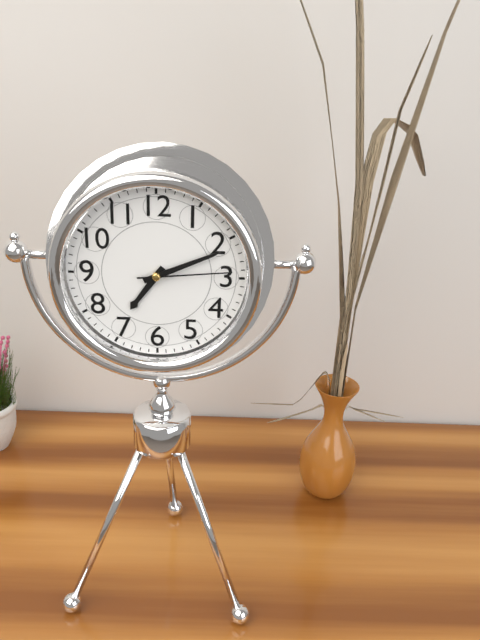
7:11:14
